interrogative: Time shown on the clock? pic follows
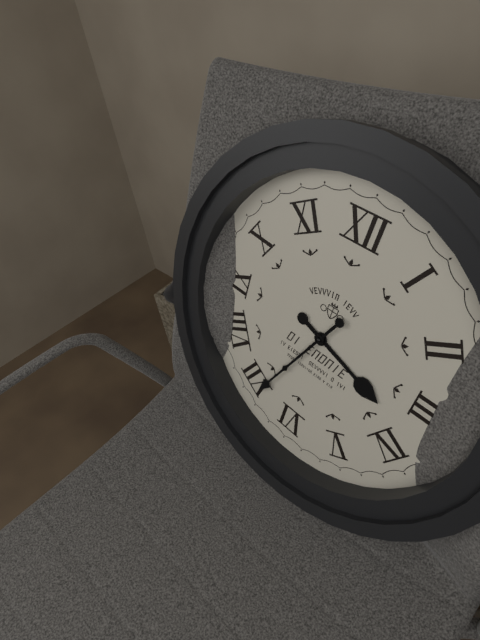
3:34
